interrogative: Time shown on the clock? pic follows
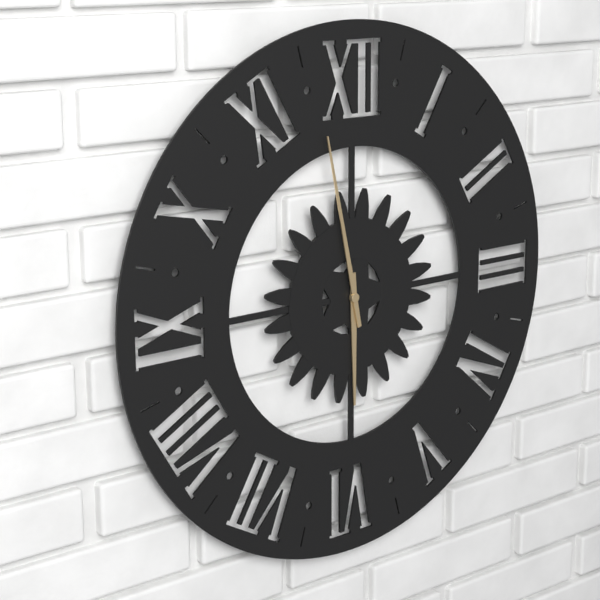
5:58
